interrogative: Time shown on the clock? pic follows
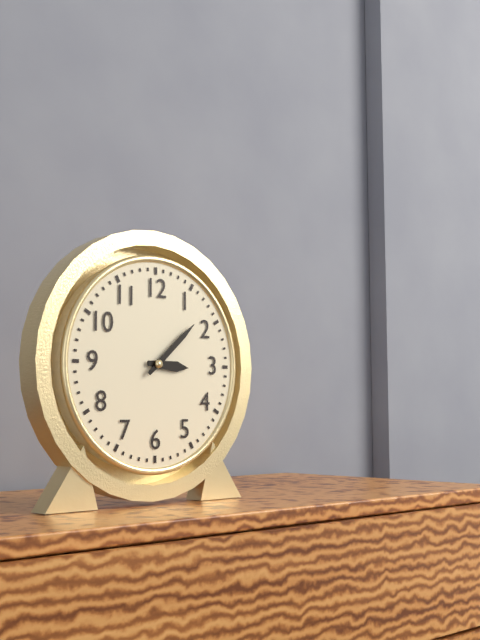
3:08
